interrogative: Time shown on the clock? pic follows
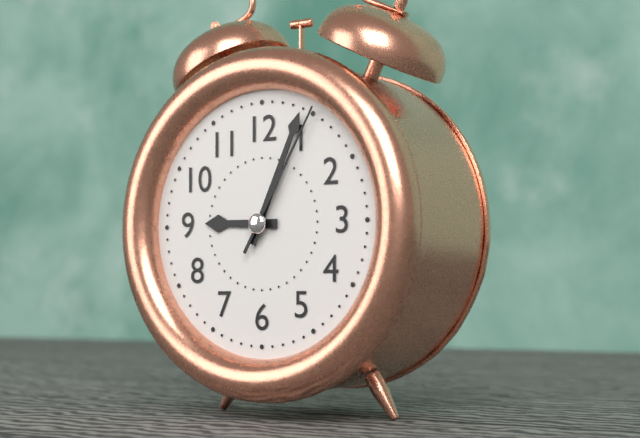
9:04:05
